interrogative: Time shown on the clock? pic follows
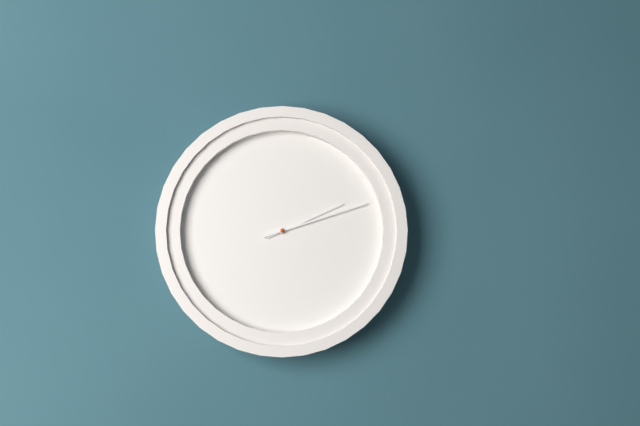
2:12
